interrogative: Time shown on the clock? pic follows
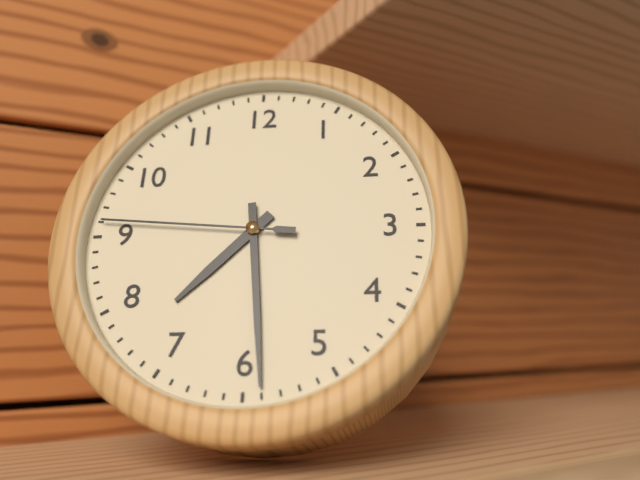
7:29:46
